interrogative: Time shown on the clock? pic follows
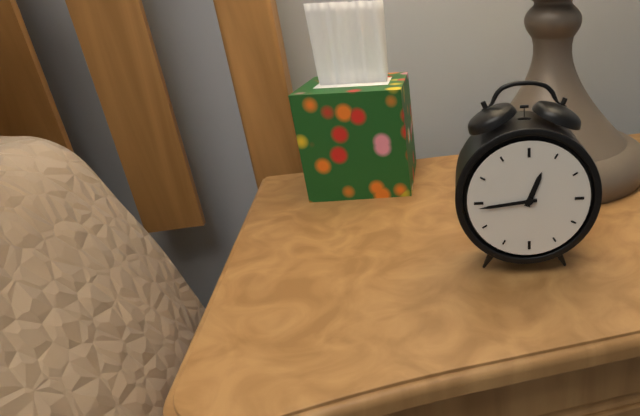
12:44
